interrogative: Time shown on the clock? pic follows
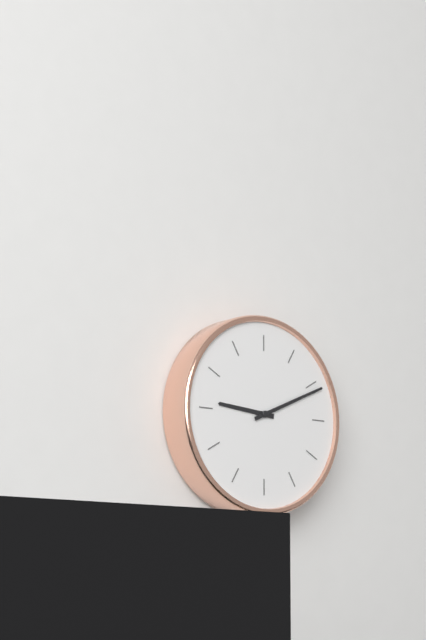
9:11
